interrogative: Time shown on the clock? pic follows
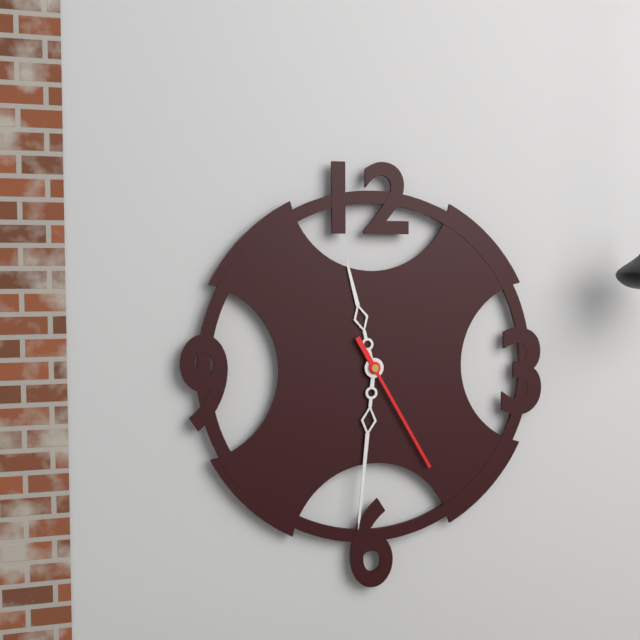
11:31:25
